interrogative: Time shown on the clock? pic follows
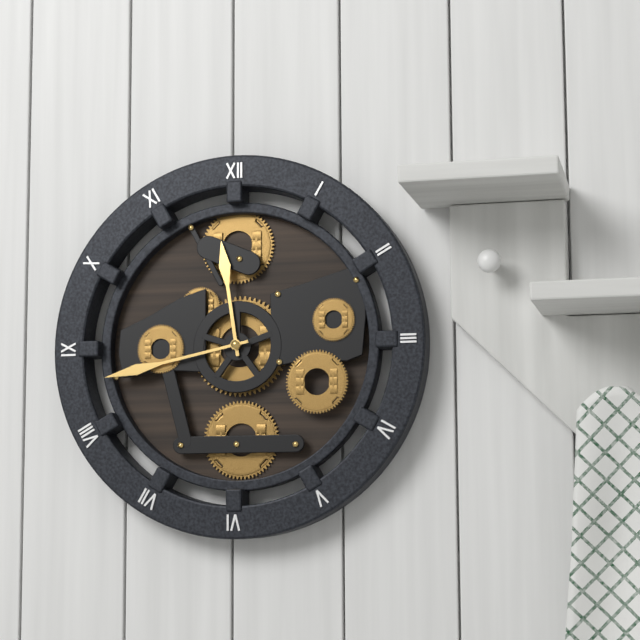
11:43
